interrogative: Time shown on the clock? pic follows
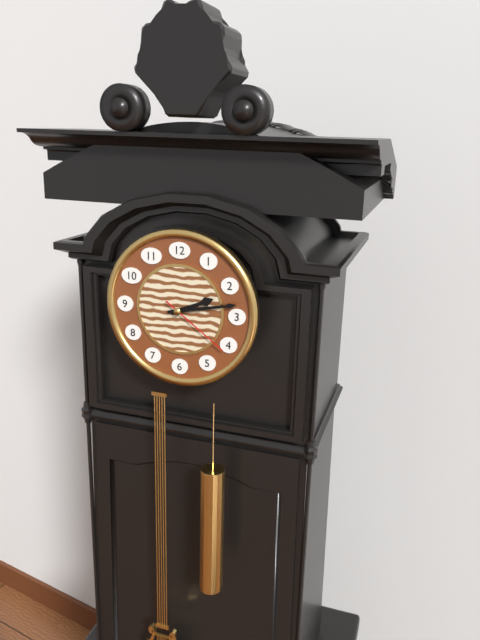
2:13:21
